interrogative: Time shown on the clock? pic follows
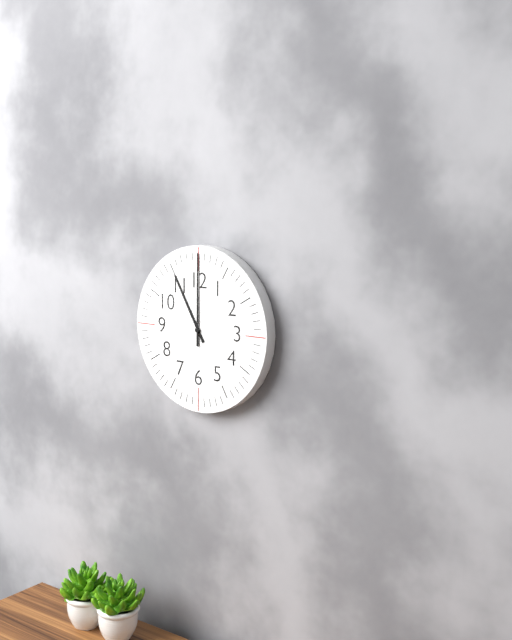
11:00
